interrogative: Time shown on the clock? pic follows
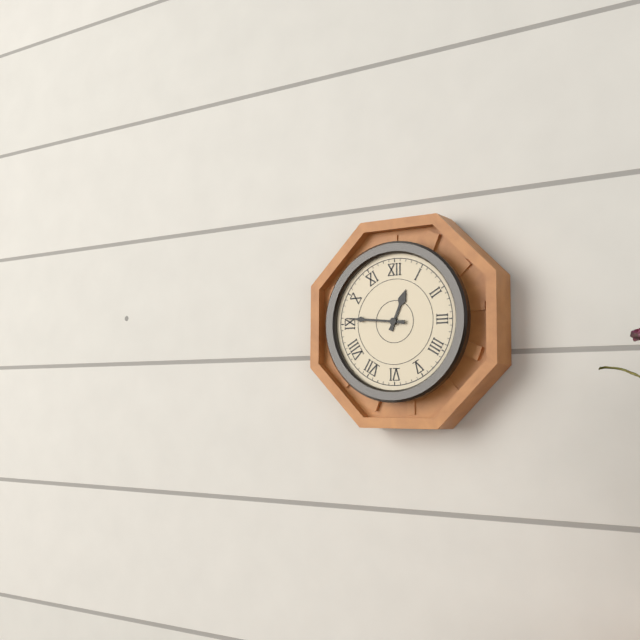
12:46
